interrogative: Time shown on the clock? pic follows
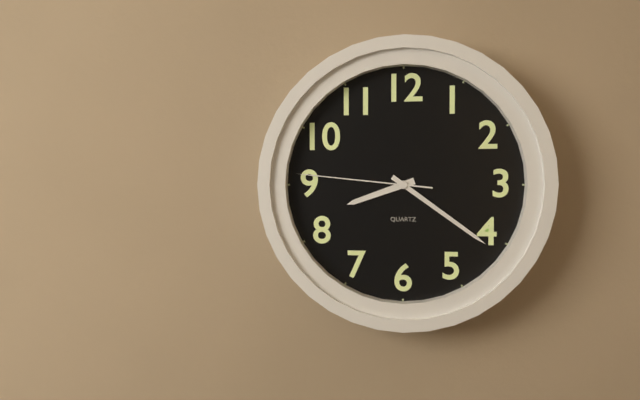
8:21:46
